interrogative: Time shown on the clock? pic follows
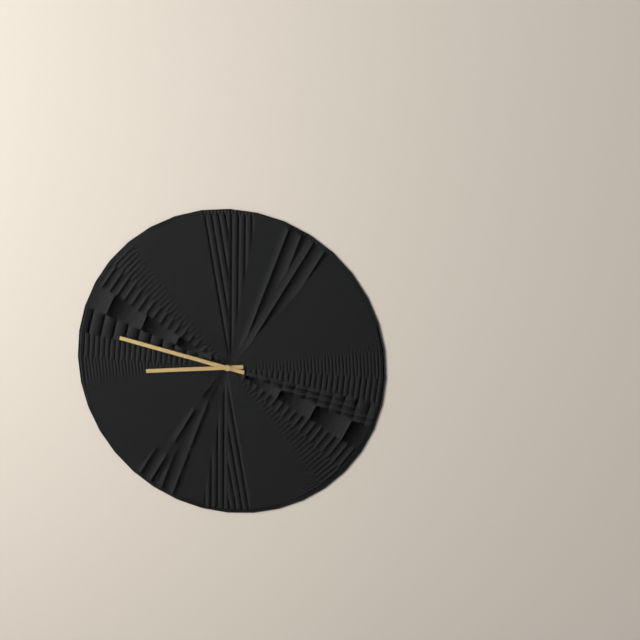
8:47
